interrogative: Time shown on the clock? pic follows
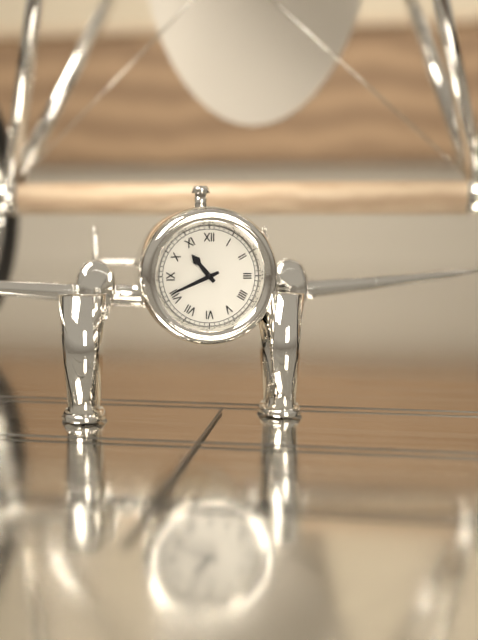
10:41
